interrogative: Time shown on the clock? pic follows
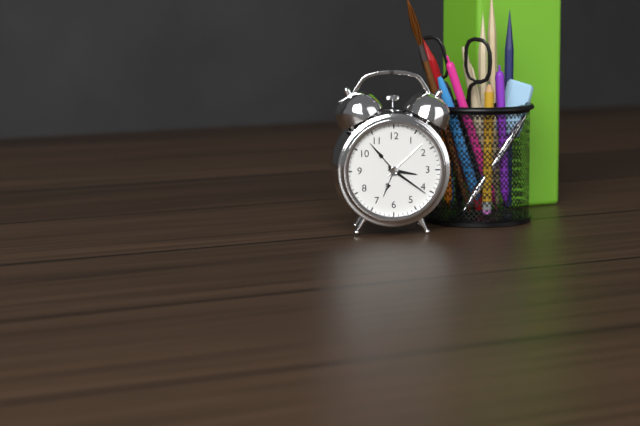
3:21
